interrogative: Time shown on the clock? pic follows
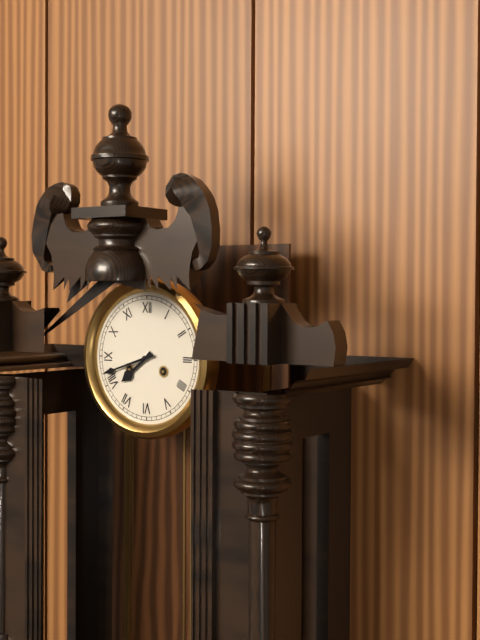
7:42
